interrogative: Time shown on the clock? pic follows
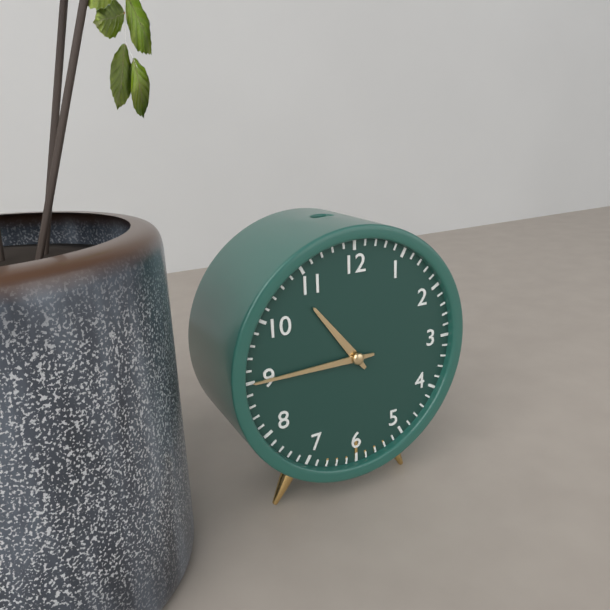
10:45
